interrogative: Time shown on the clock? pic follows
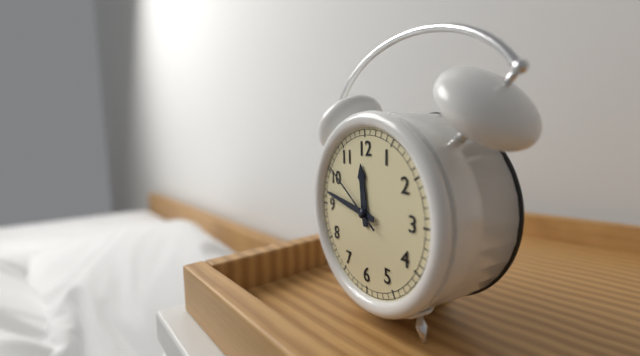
11:47:51
